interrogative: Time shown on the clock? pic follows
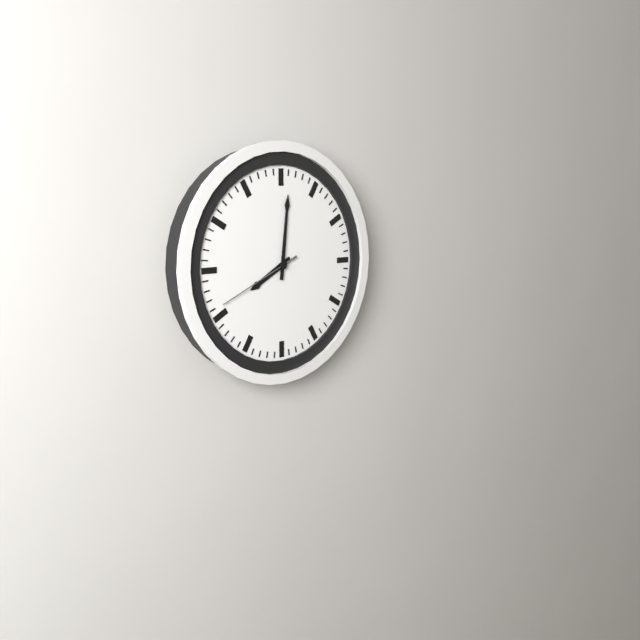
8:01:41
